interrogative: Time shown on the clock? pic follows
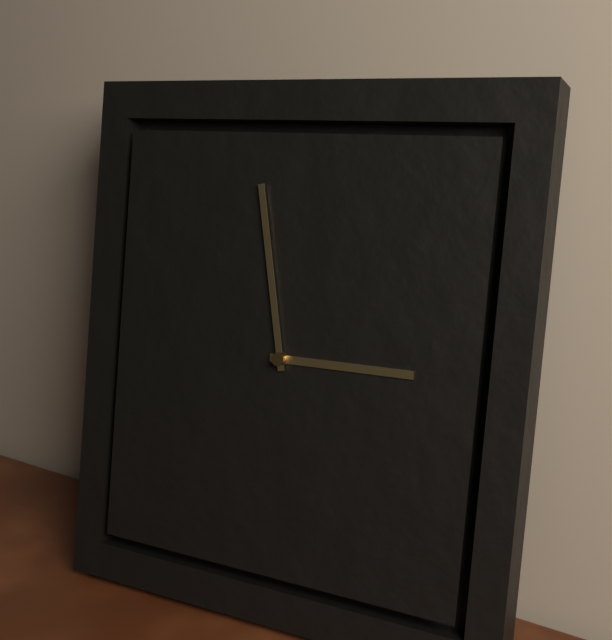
2:58
